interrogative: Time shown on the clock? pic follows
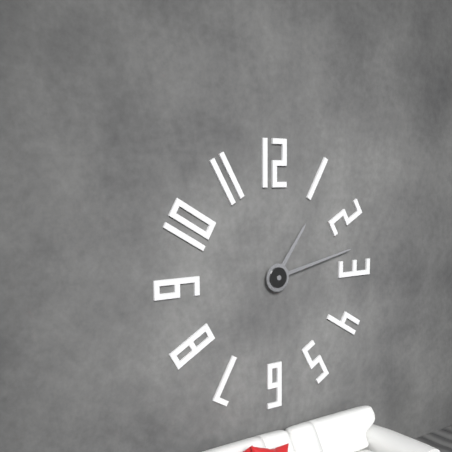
1:13
